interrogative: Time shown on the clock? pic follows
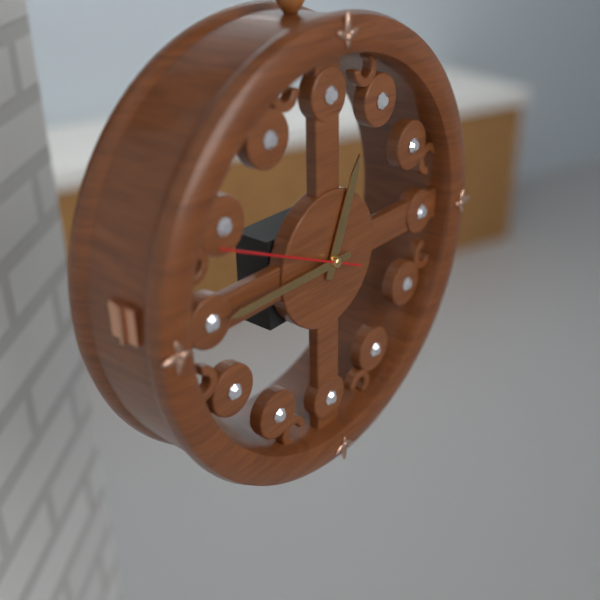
12:45:49
